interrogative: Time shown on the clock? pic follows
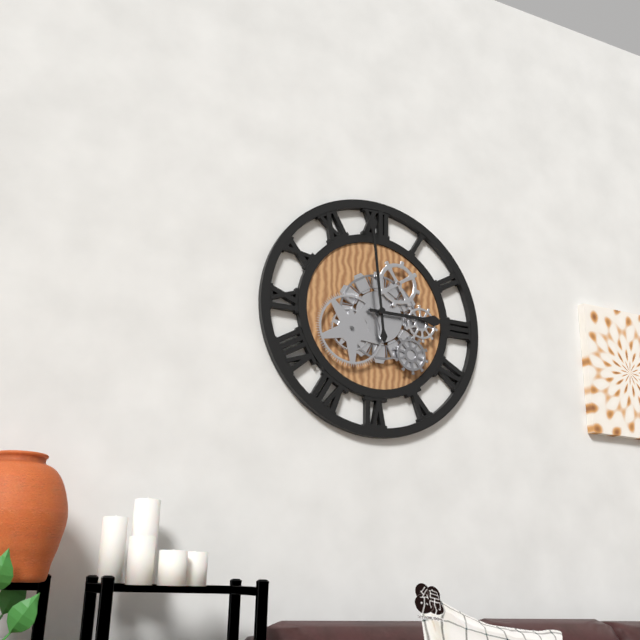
2:59
